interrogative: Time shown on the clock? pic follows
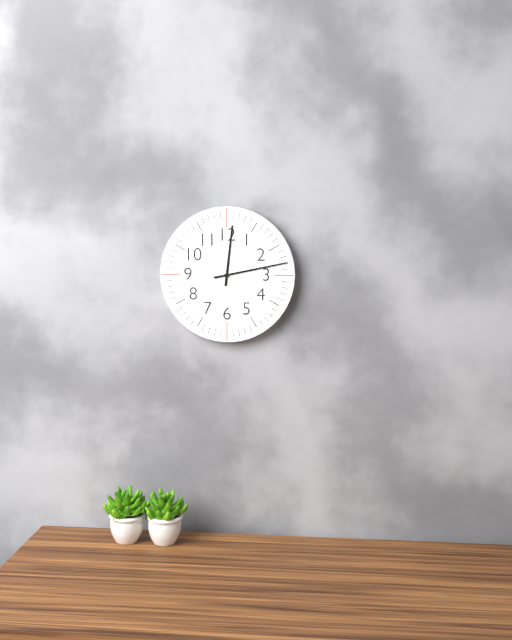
12:13
